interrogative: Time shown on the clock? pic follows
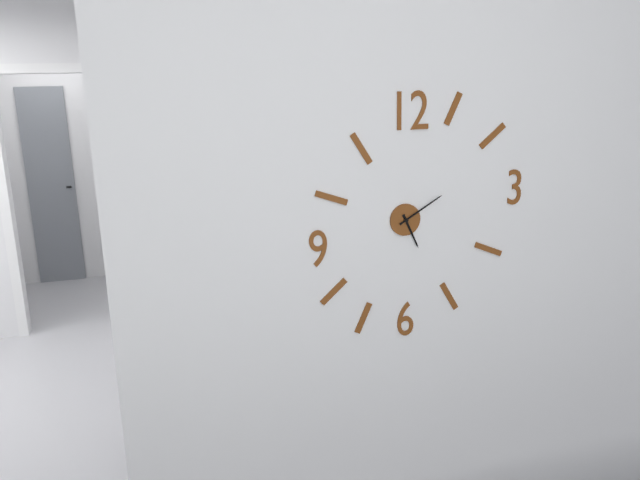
5:10
